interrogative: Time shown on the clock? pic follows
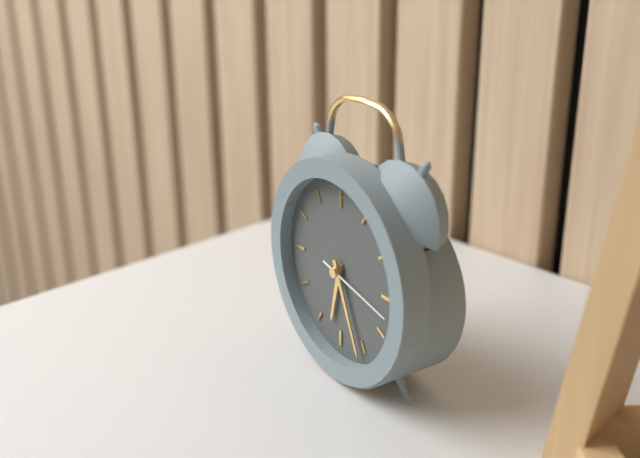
6:26:17
